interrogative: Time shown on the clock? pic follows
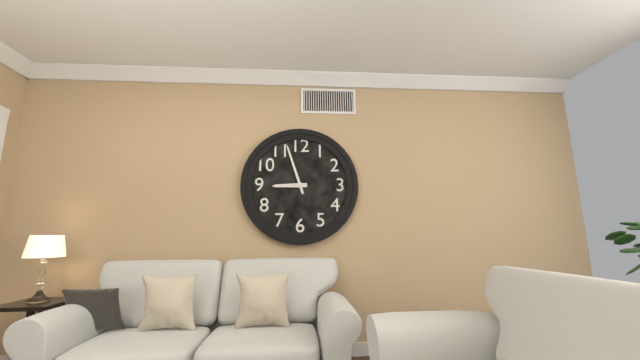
8:57
